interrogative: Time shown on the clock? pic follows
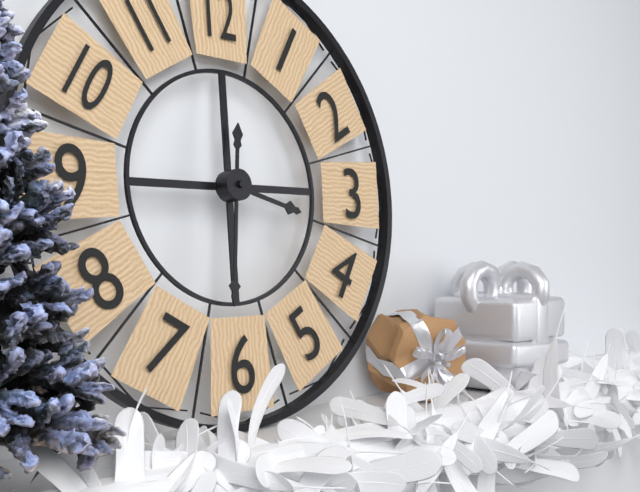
3:31
